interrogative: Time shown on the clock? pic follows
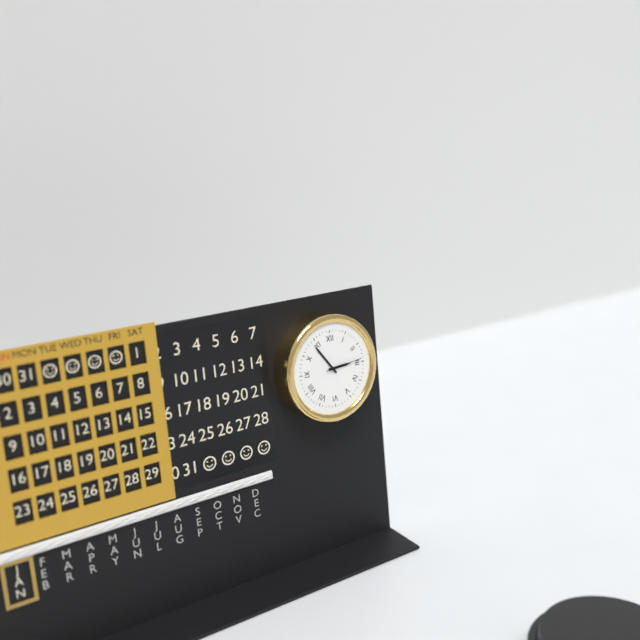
2:54
